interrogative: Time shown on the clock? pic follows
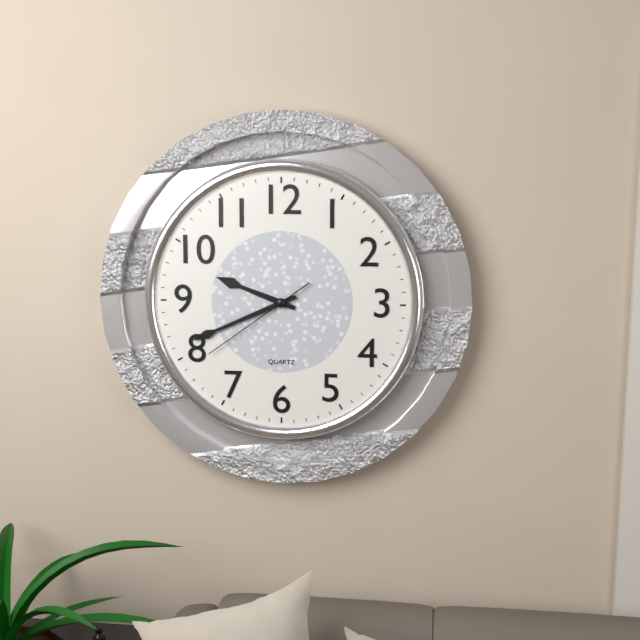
9:41:39
